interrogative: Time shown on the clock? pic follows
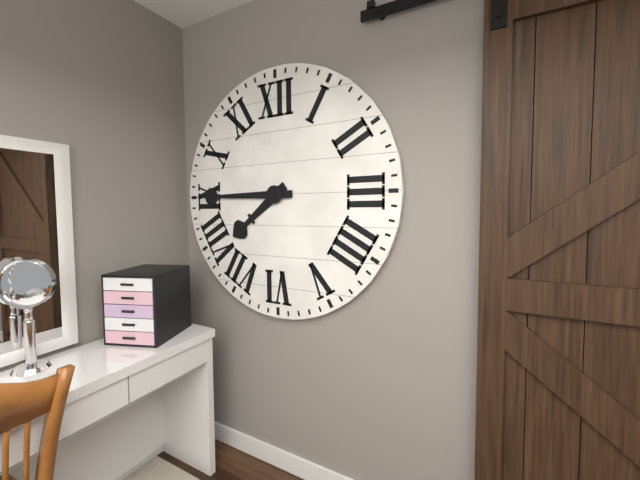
7:45
